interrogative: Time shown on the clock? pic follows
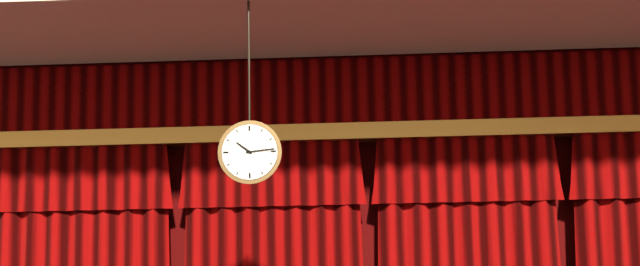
10:14
